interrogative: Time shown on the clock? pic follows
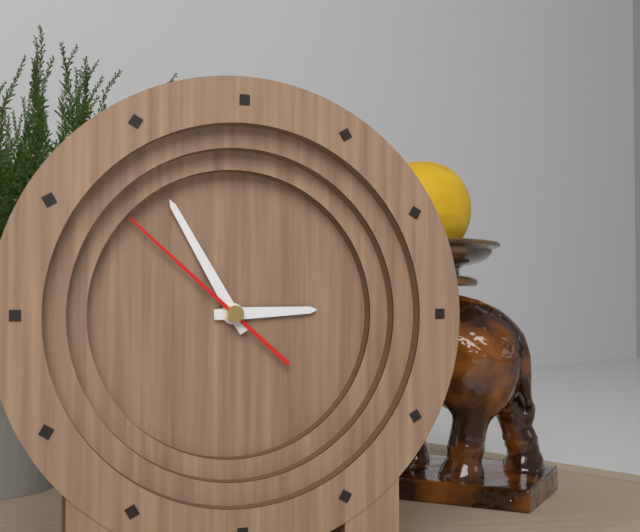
2:55:52
